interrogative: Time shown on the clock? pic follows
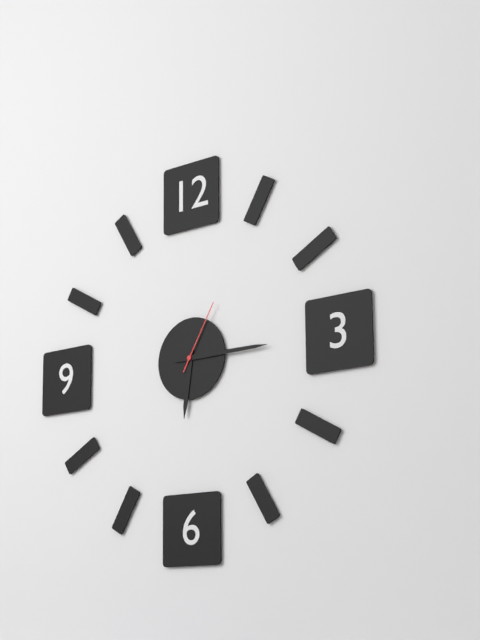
6:15:05
